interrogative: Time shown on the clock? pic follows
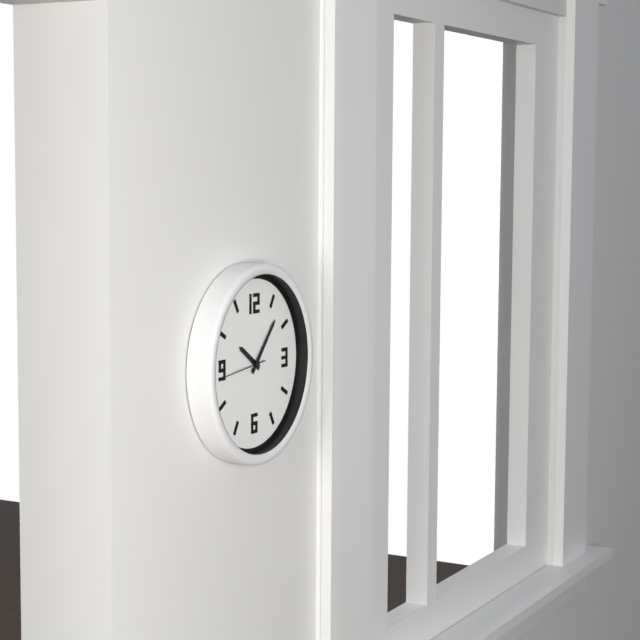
10:07
